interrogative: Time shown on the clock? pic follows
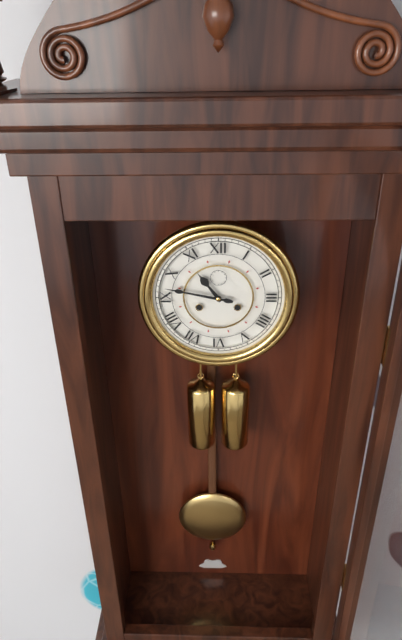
10:47
